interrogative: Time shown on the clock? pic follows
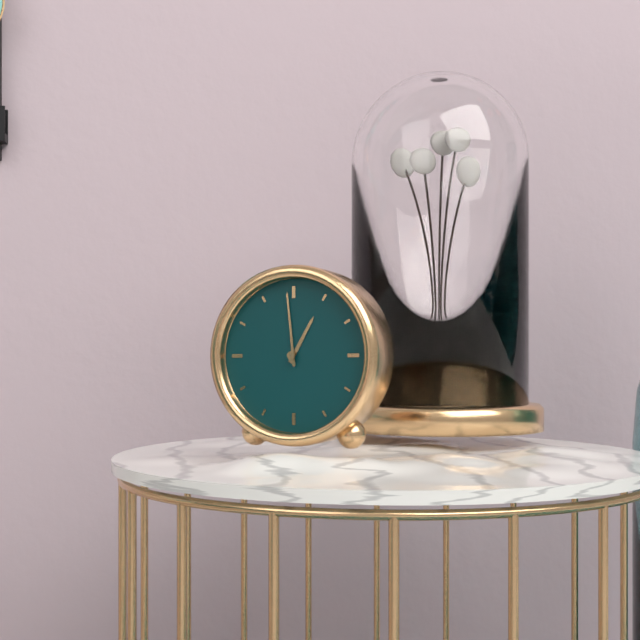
12:59
